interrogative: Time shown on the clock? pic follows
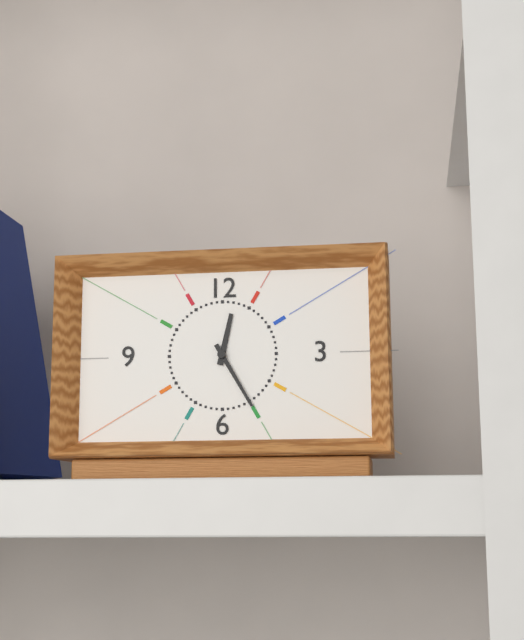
12:25
